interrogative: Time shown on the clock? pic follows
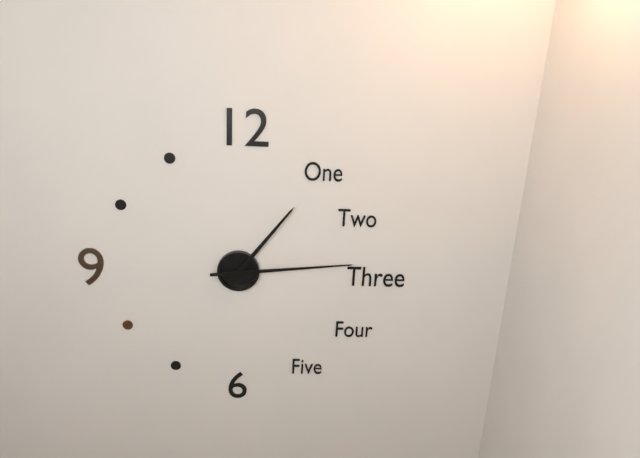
1:14
